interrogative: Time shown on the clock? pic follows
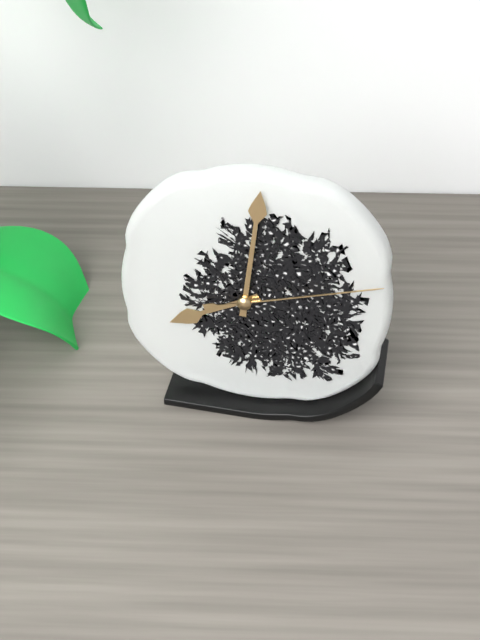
8:01:12
